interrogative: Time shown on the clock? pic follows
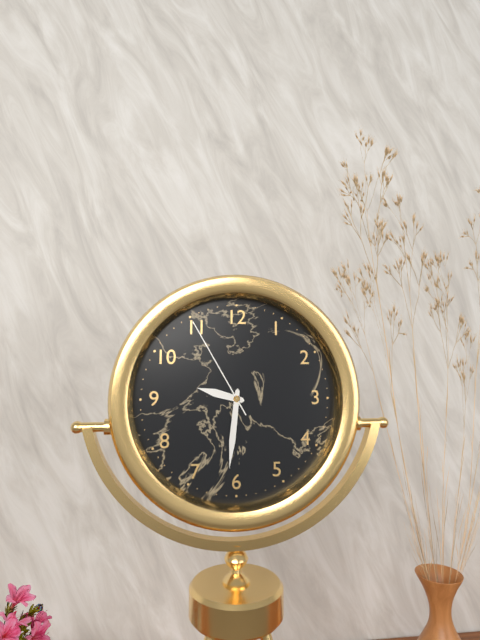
9:31:55
